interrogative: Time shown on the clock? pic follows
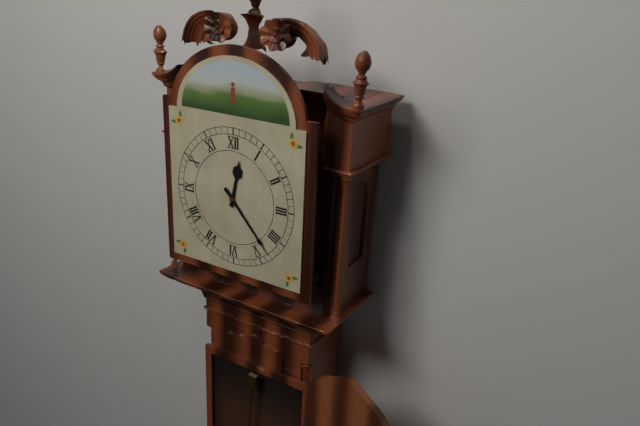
12:23
